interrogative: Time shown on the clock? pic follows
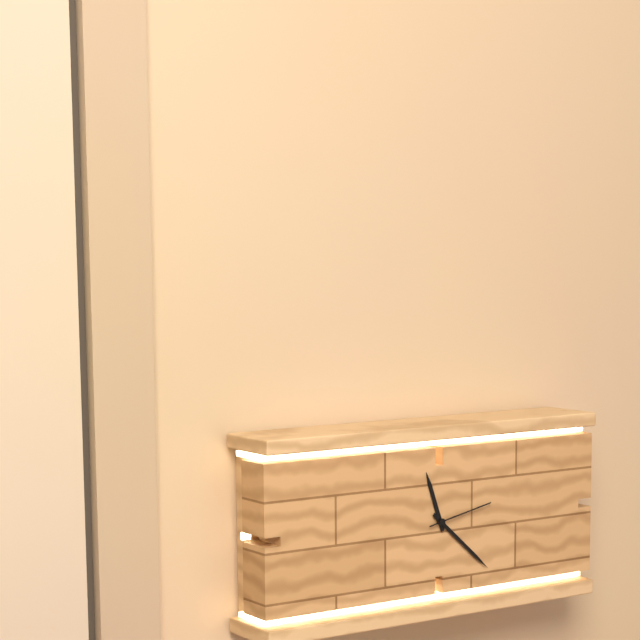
11:22:13
